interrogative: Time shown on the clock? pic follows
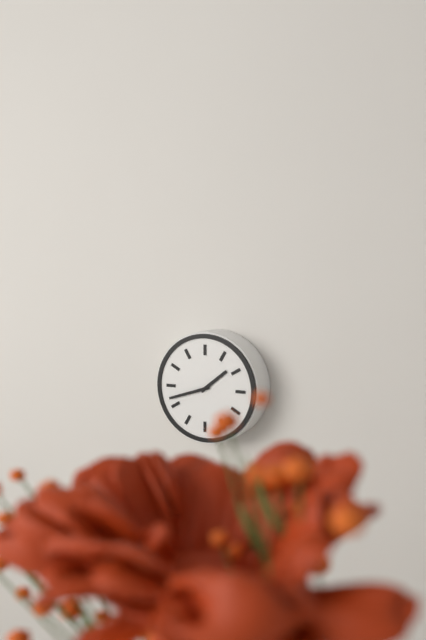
1:42
